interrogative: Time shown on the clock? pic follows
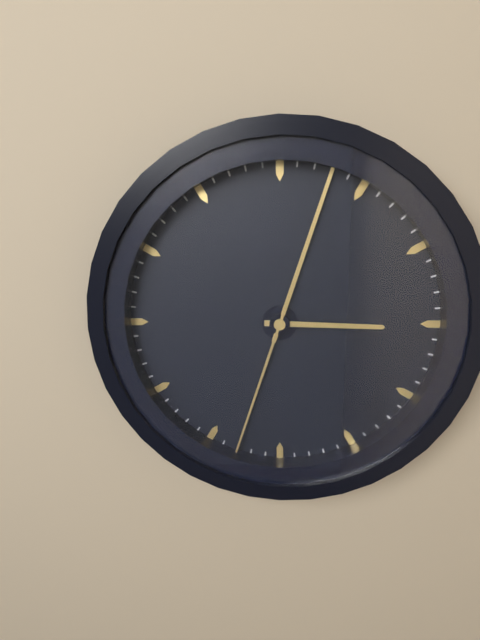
3:03:33
